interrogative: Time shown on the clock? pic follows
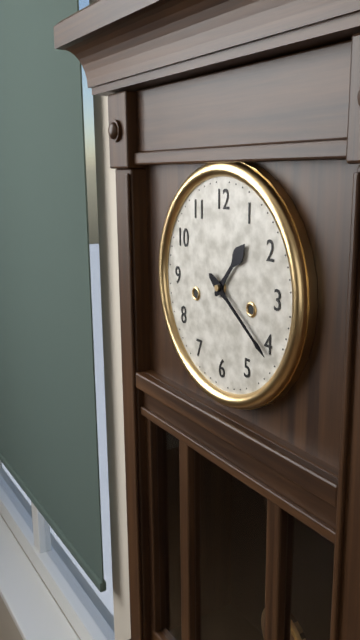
1:21
